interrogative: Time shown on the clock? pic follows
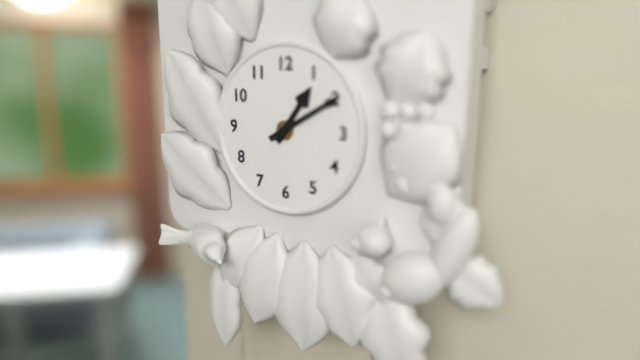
1:10
